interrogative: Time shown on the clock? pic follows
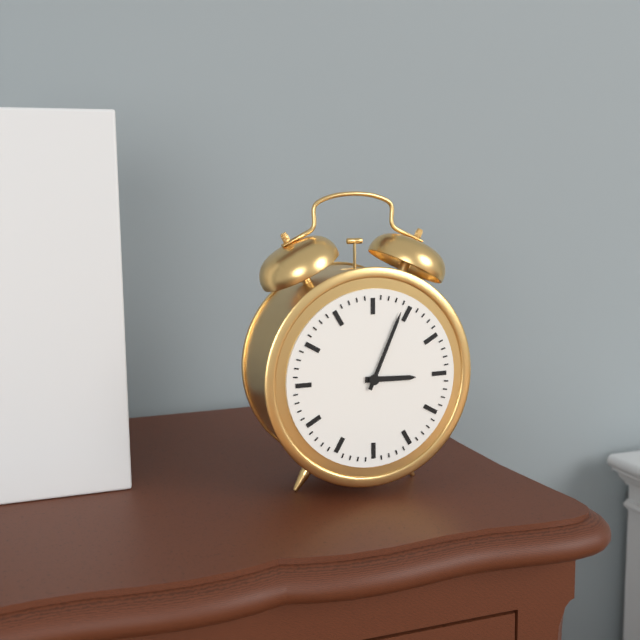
3:04
